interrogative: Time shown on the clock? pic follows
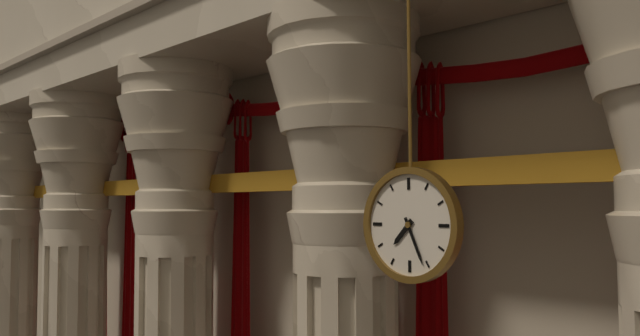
7:26
